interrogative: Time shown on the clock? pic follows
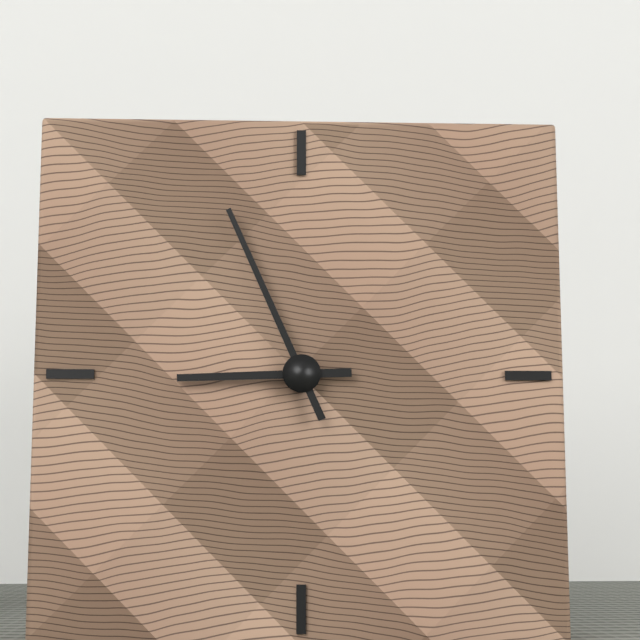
8:56
